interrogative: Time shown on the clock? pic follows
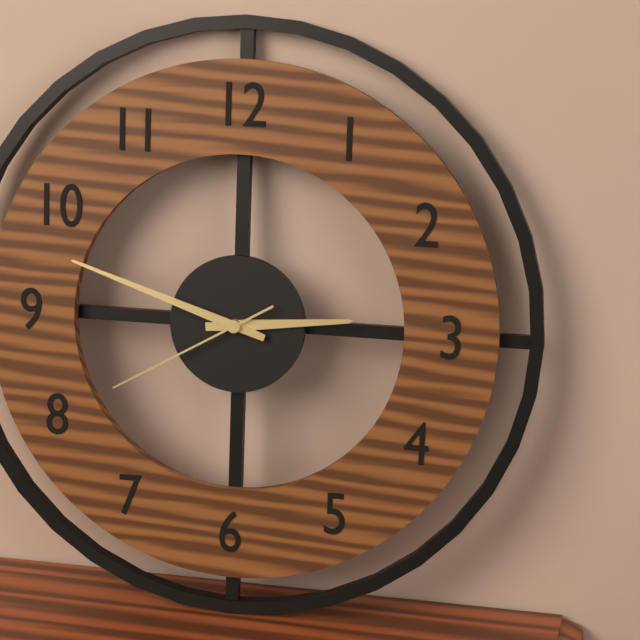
2:48:40
